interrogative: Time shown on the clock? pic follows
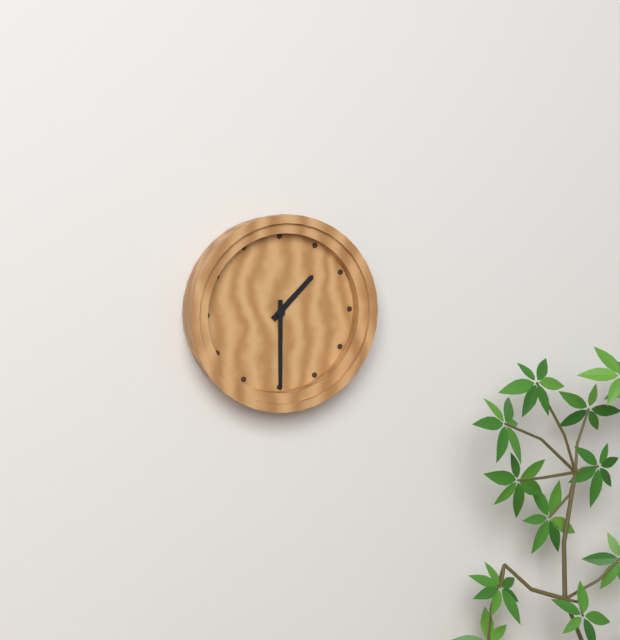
1:30
